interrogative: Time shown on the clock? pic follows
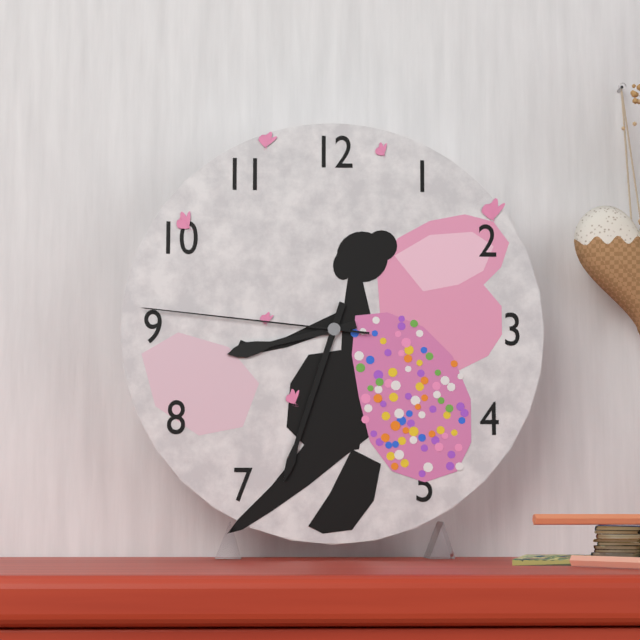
8:33:46
